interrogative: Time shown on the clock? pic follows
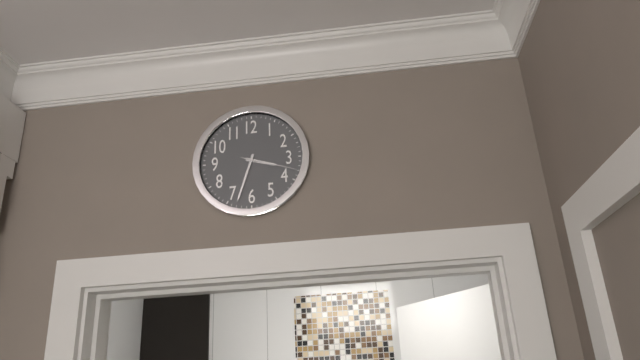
3:33:18
